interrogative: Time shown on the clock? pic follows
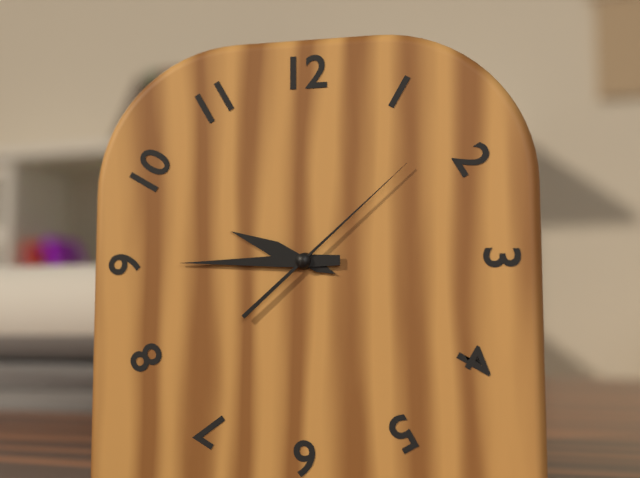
9:45:08
